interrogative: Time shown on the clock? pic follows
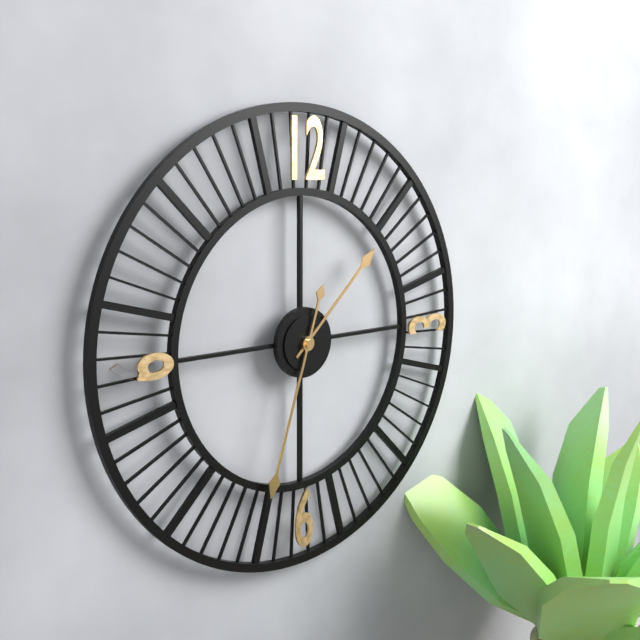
1:33
